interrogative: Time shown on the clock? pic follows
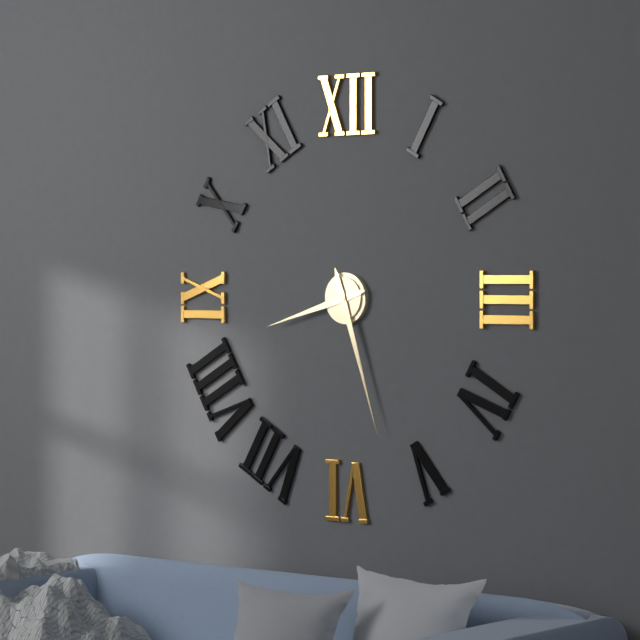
8:27
